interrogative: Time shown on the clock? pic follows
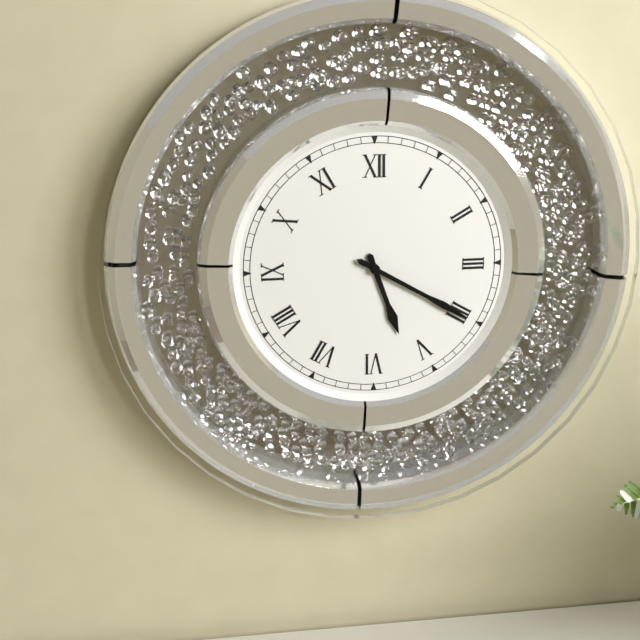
5:20
